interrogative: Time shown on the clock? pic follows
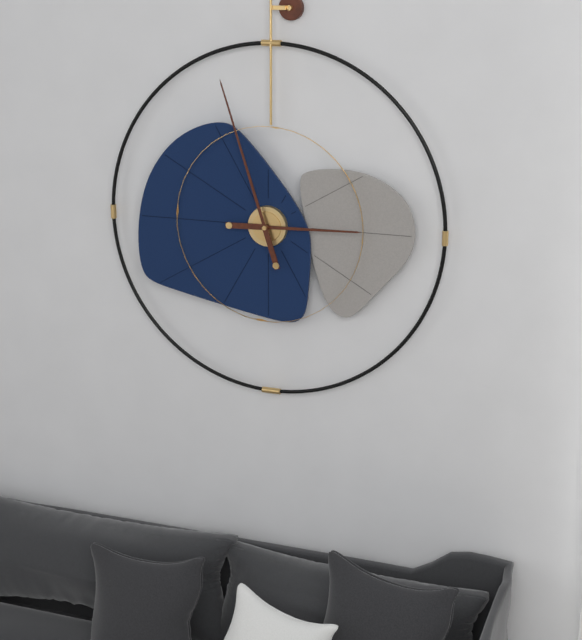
2:57
